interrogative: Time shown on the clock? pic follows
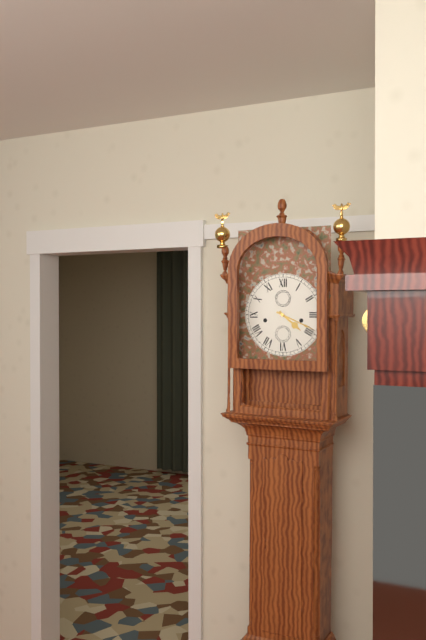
4:19
